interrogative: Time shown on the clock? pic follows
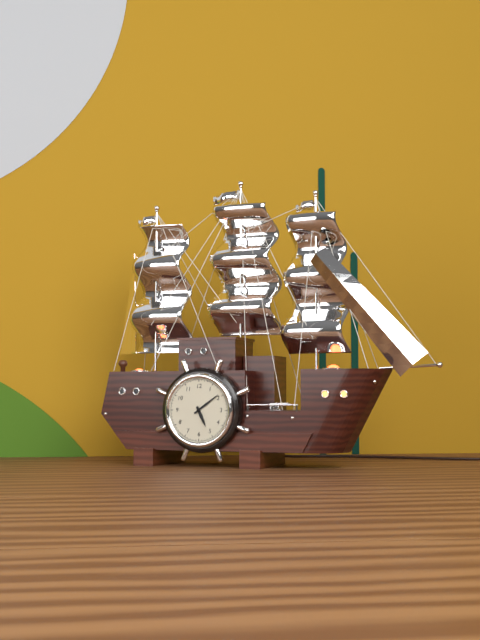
5:09
